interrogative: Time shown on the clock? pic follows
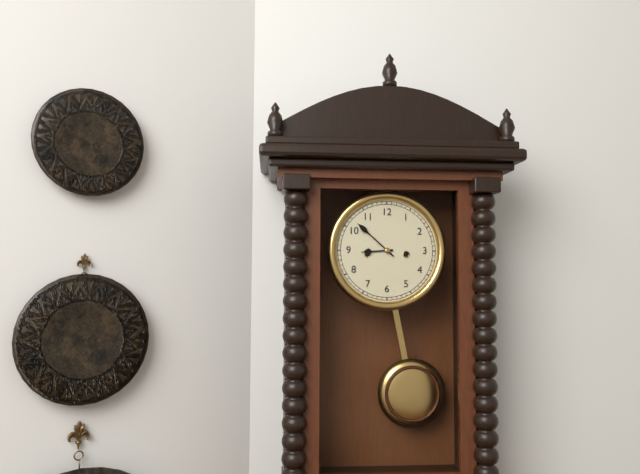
8:52
